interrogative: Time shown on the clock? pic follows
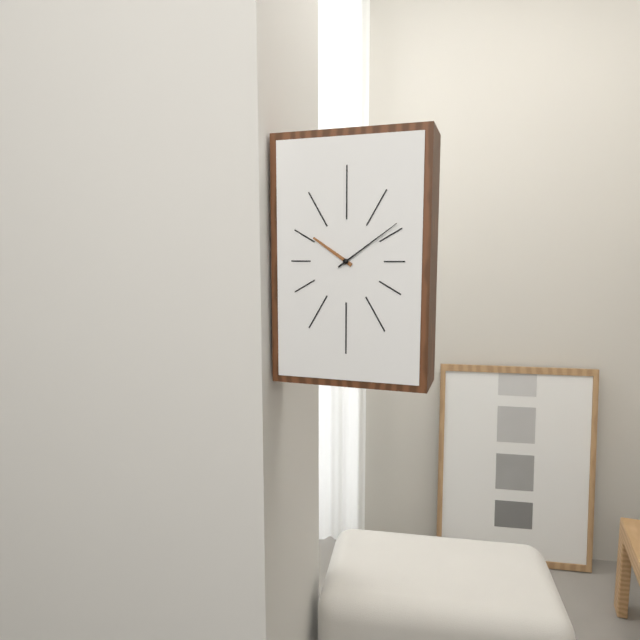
10:09
